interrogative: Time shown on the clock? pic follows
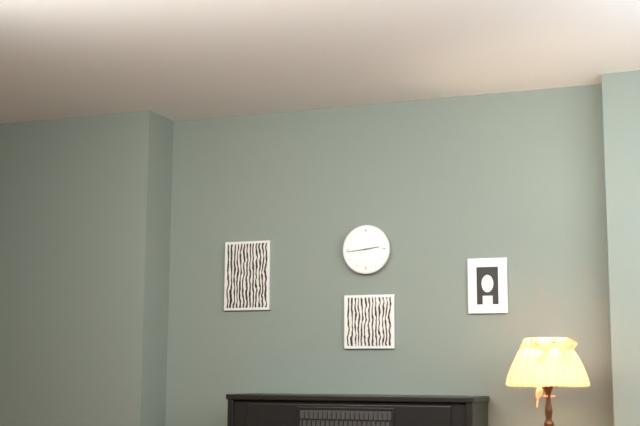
2:44
